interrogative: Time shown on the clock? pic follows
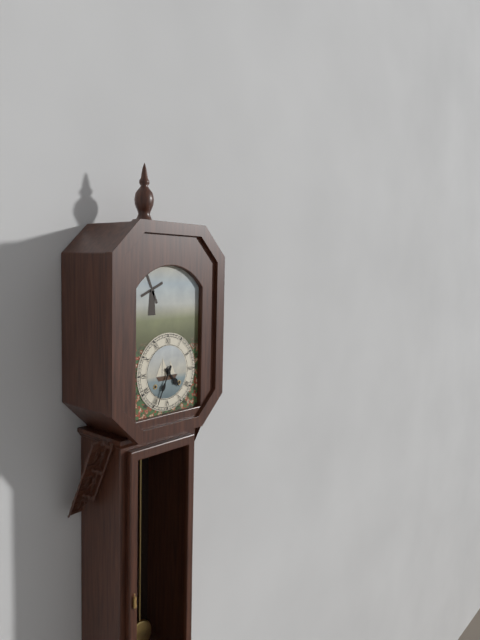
4:34
